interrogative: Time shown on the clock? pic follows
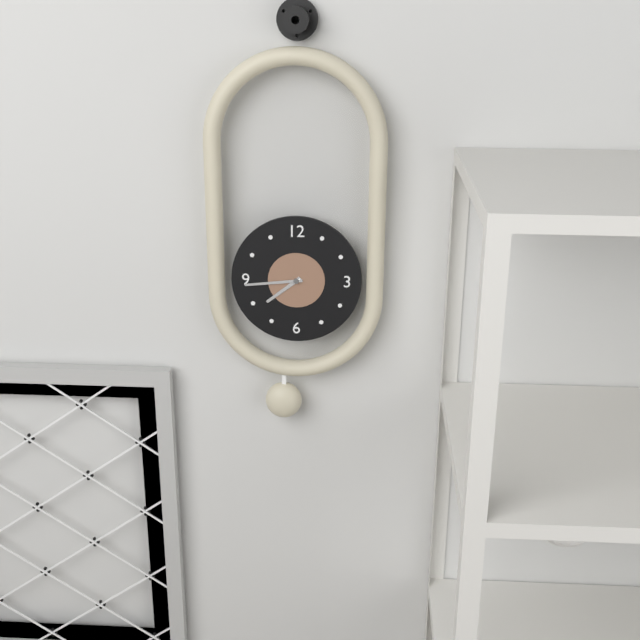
7:44
